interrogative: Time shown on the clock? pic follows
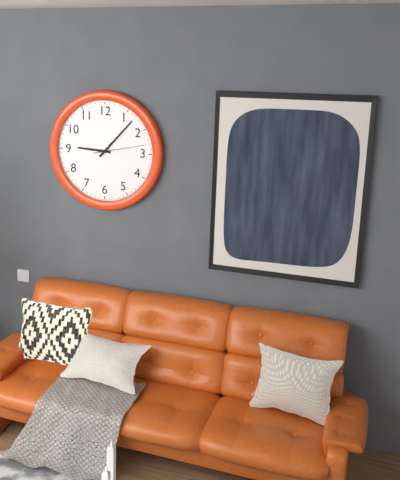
9:07:13
